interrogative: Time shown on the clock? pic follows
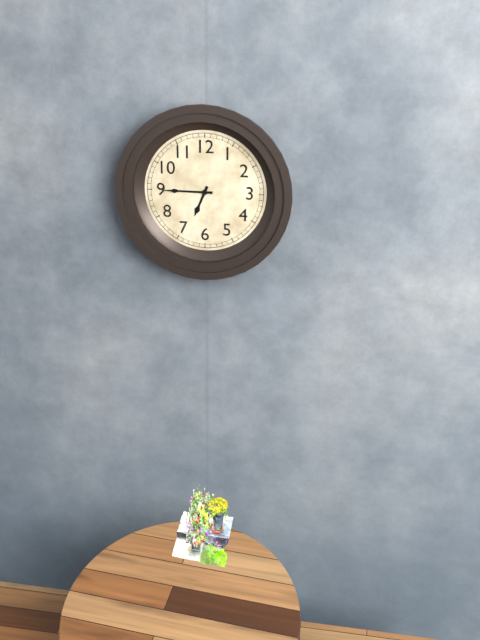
6:45
